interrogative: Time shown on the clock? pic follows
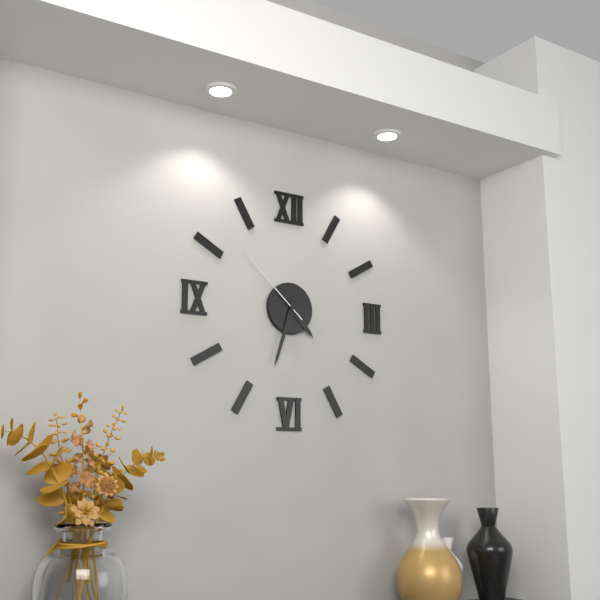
4:33:52
